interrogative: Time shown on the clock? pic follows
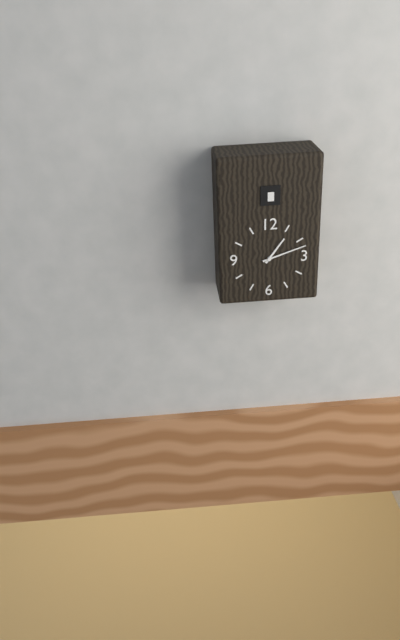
1:12
